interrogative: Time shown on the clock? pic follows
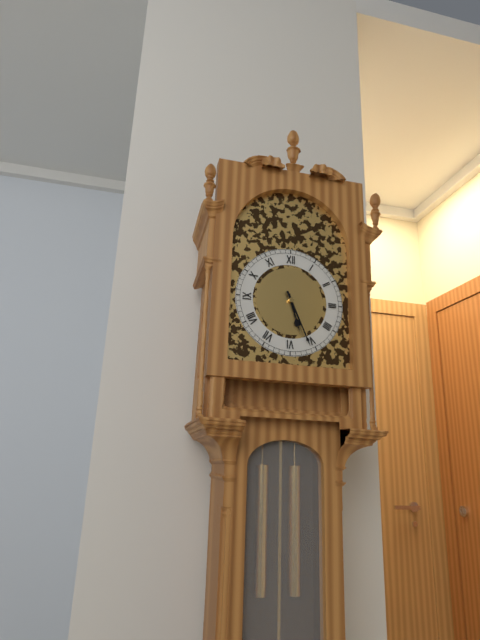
5:26
